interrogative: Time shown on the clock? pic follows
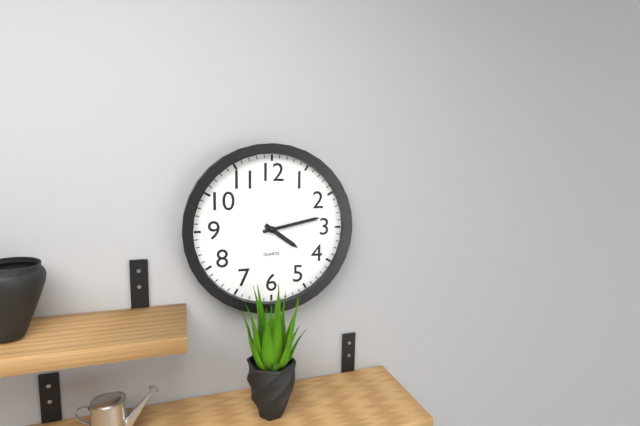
4:13
